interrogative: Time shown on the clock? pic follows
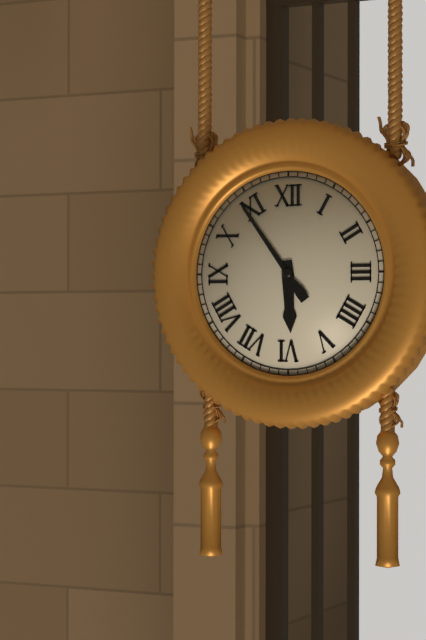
5:54
